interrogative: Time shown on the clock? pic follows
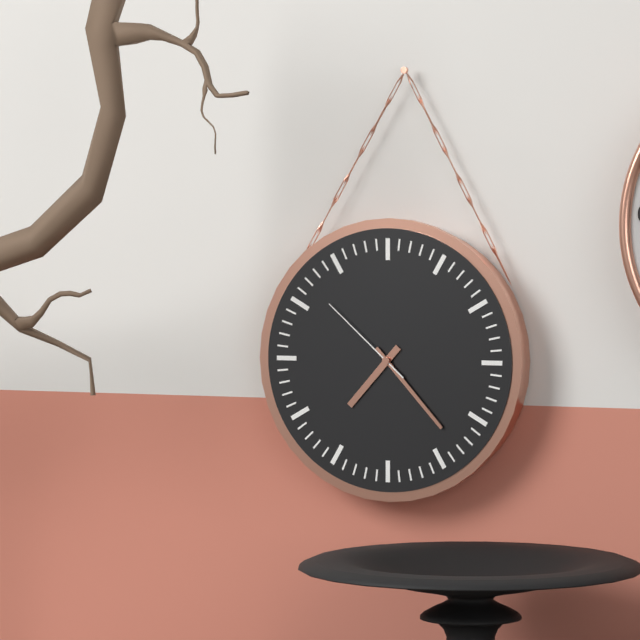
7:23:52
